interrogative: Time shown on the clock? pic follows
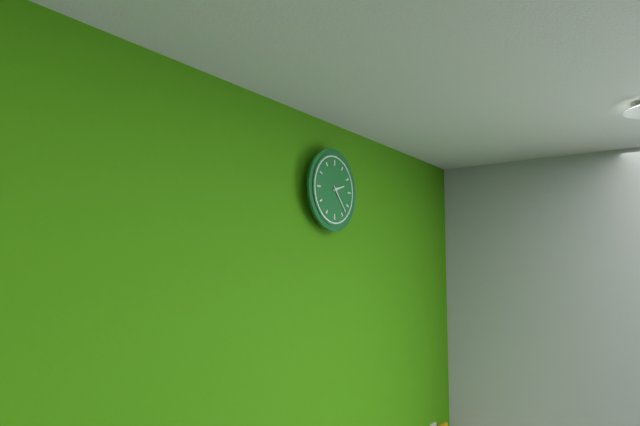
2:23
